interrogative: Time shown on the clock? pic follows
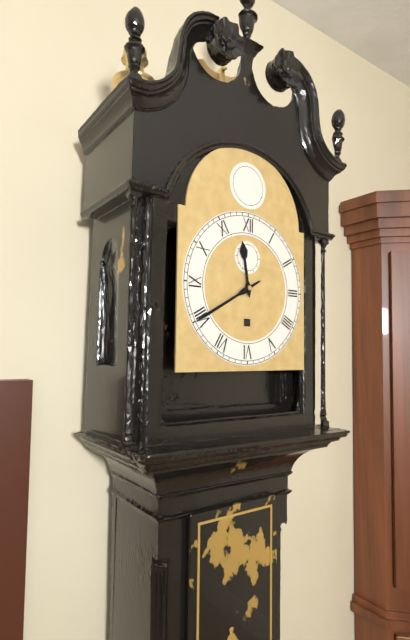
11:40
